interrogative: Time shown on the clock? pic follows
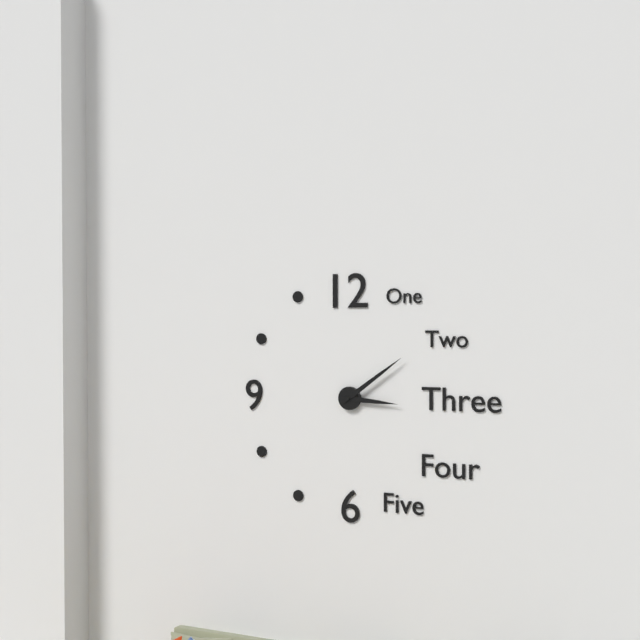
3:09
